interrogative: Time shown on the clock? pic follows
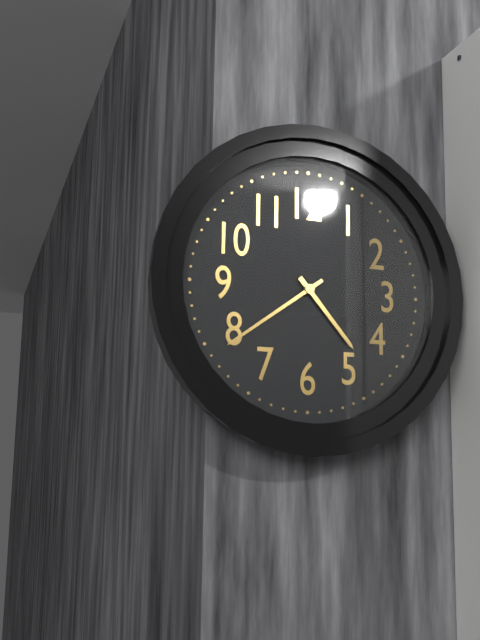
4:39
